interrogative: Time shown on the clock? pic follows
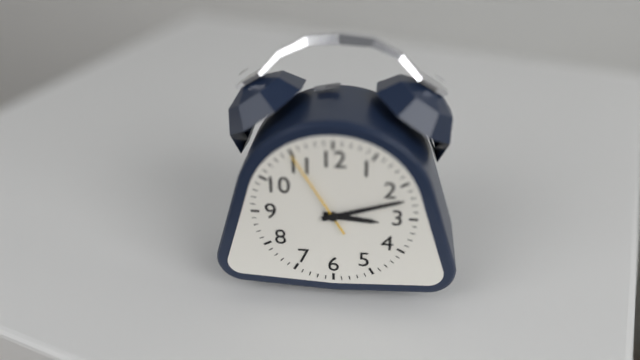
3:12:55
